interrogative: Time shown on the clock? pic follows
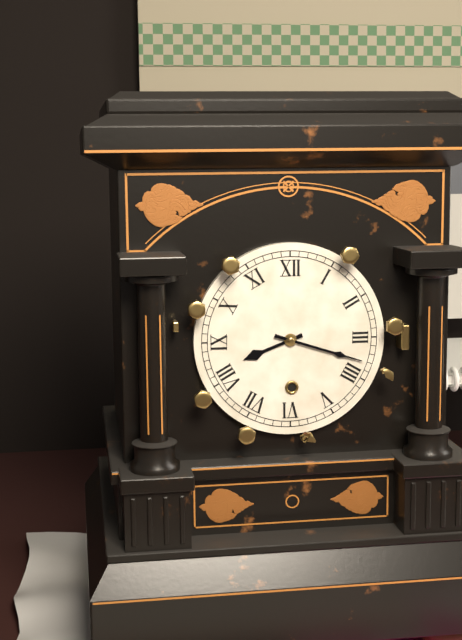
8:18
